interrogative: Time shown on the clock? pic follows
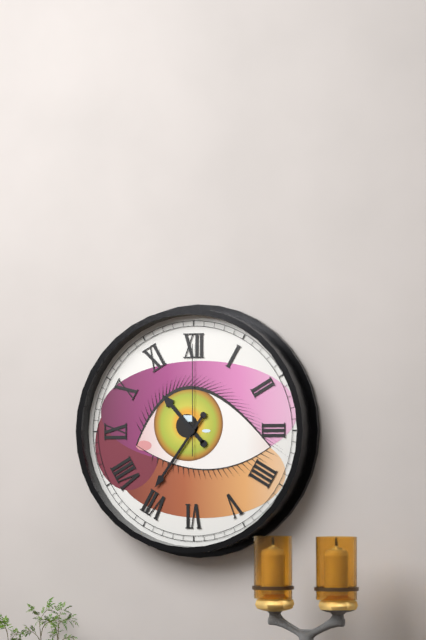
10:36:00
